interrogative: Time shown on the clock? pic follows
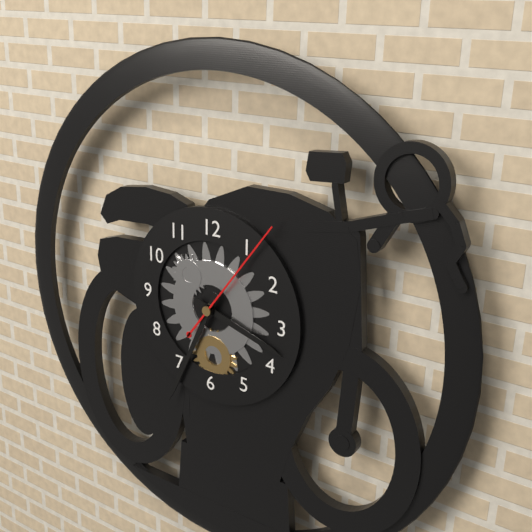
3:34:06
